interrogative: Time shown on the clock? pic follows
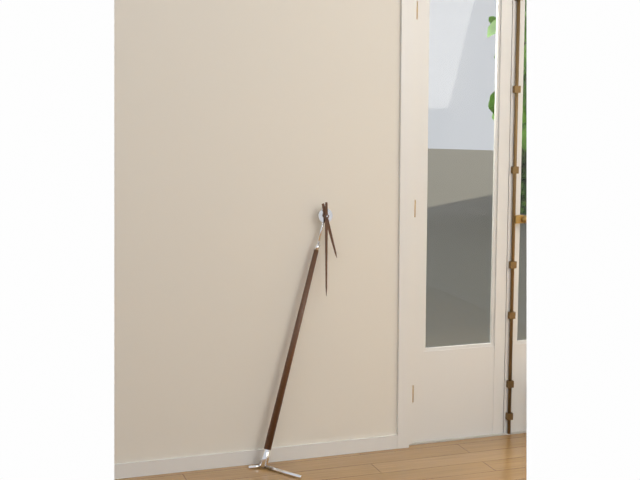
5:30
